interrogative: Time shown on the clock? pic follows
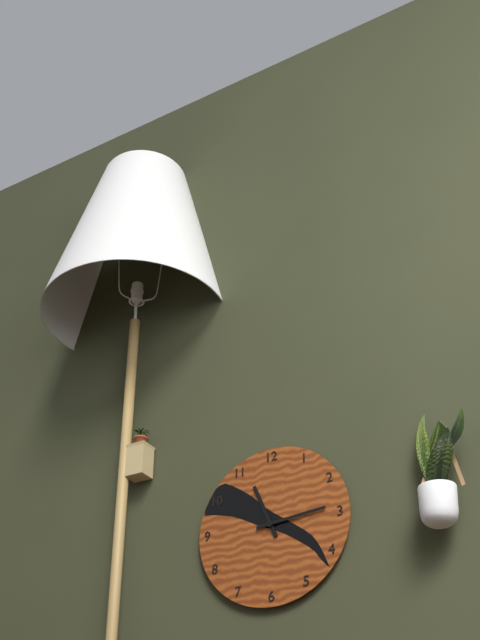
11:14
